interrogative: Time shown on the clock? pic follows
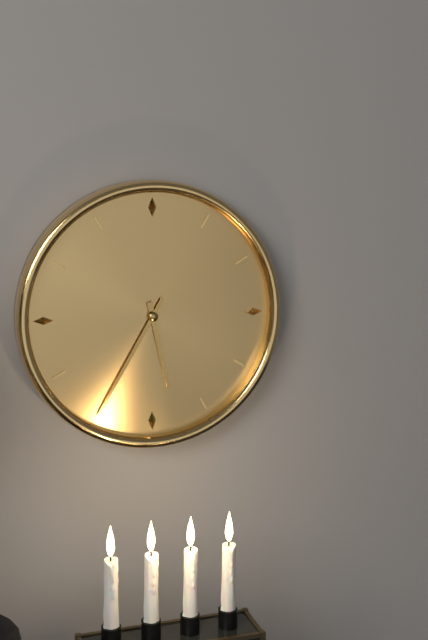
5:35
